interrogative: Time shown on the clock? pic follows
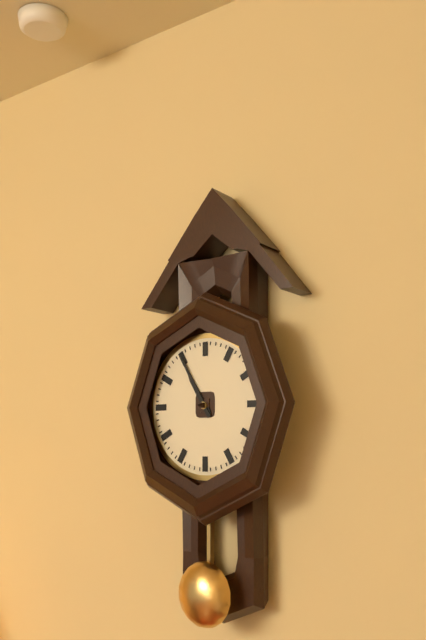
10:55
